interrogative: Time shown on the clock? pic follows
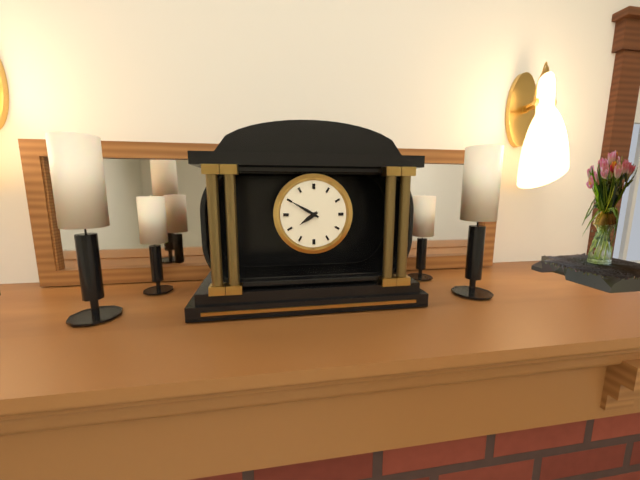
7:50
